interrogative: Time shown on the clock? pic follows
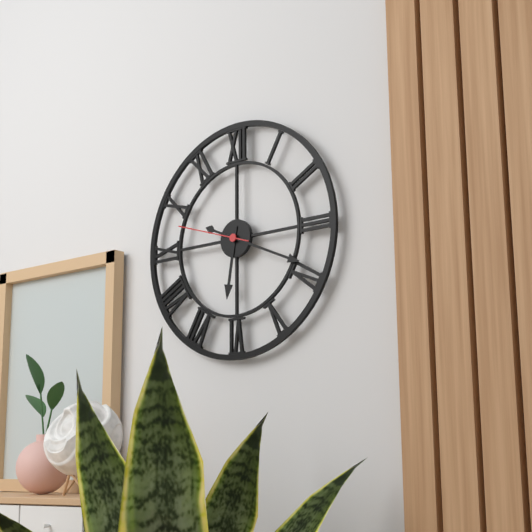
6:19:48
